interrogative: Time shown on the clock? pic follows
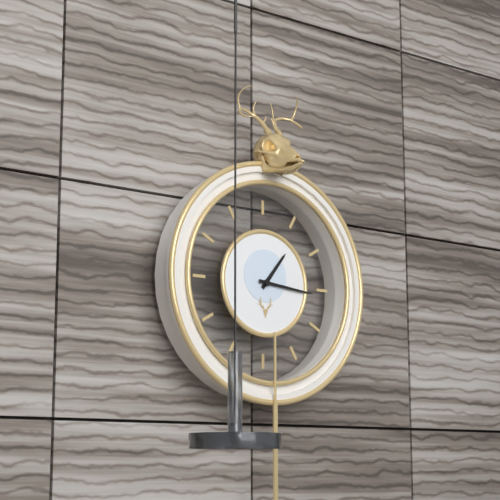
1:16
